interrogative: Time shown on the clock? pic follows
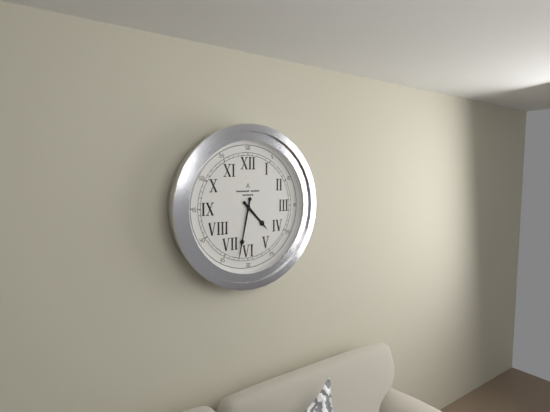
4:32
